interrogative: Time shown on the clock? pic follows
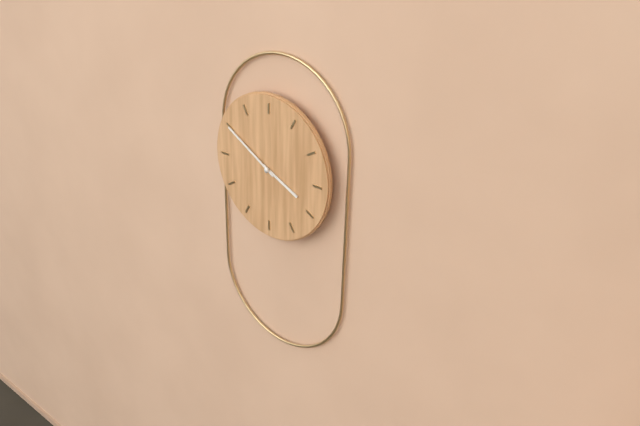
3:50
